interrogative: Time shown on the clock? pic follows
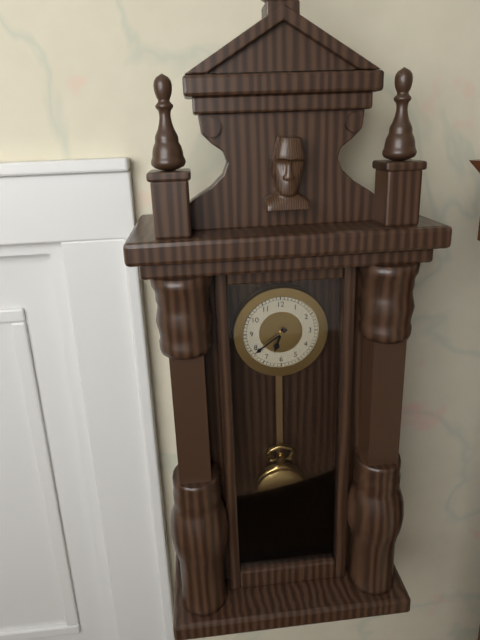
6:39
